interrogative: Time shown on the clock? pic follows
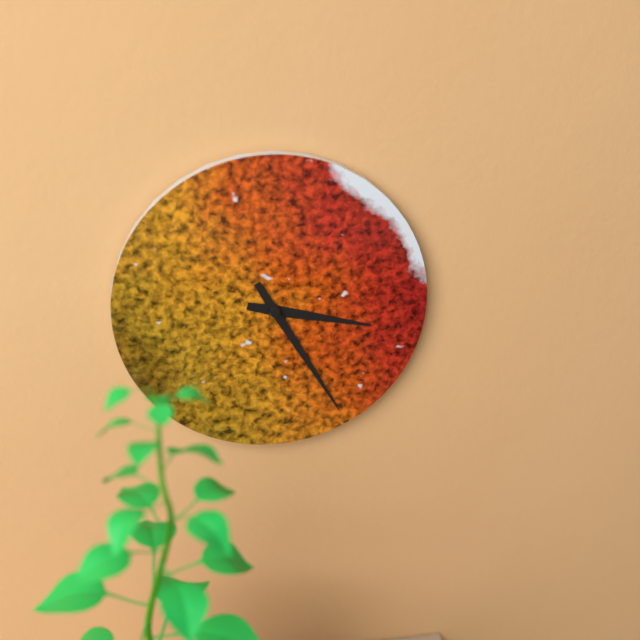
3:25
